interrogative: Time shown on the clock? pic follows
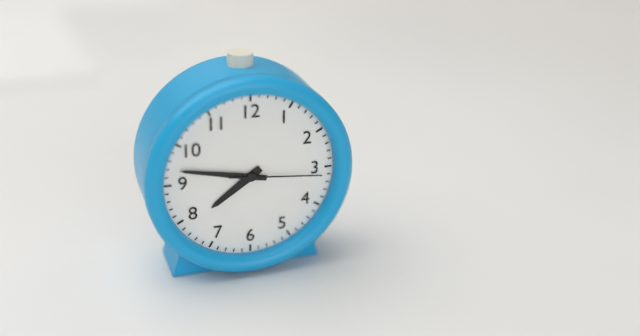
7:47:16
